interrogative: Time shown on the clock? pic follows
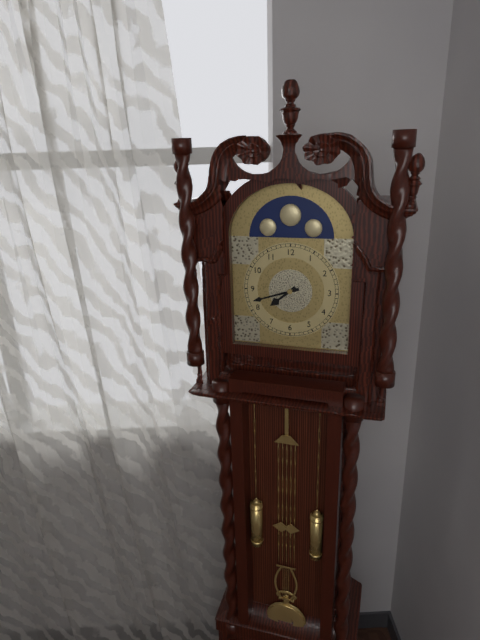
7:42
